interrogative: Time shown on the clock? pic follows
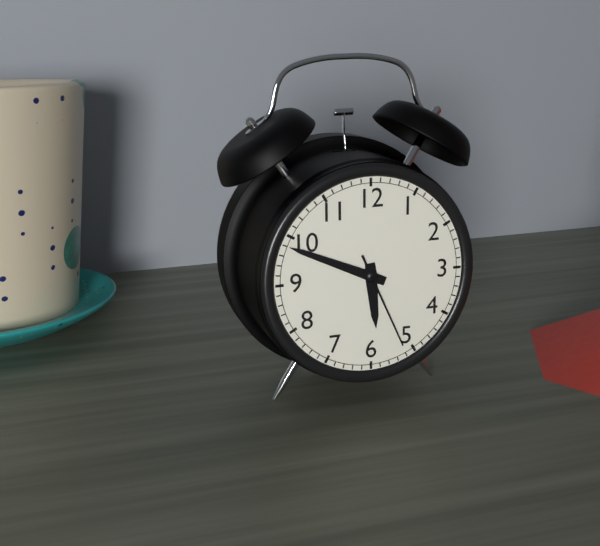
5:49:26
